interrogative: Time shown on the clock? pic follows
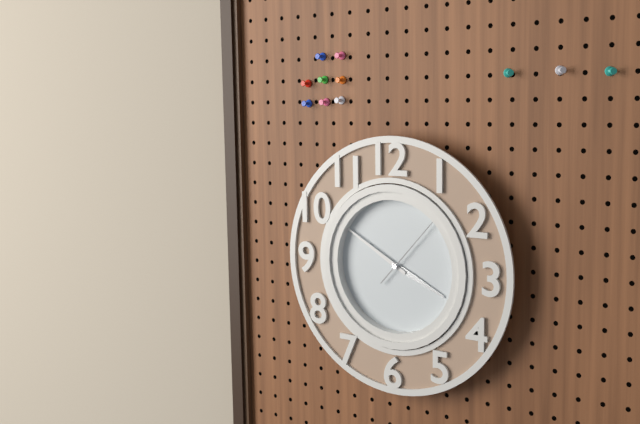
3:50:07
